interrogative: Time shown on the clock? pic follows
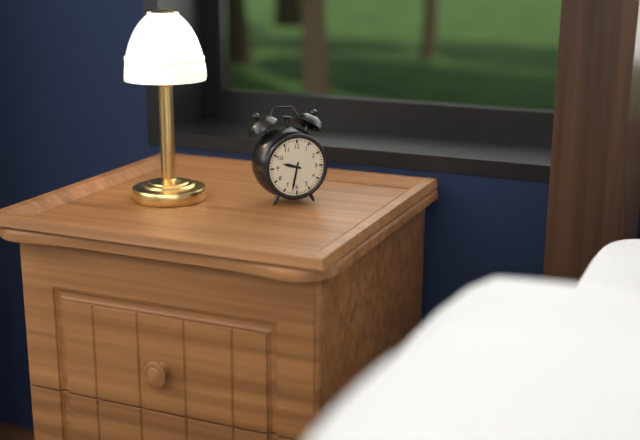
9:32
